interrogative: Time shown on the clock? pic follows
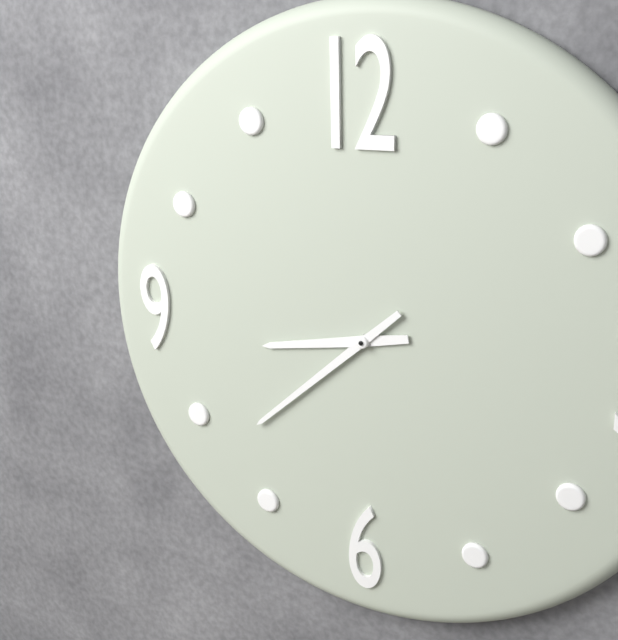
8:38
